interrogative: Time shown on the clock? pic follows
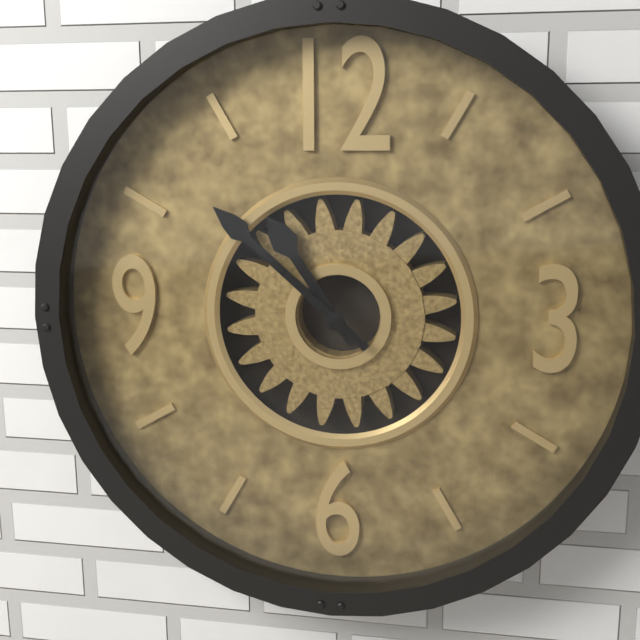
10:52
